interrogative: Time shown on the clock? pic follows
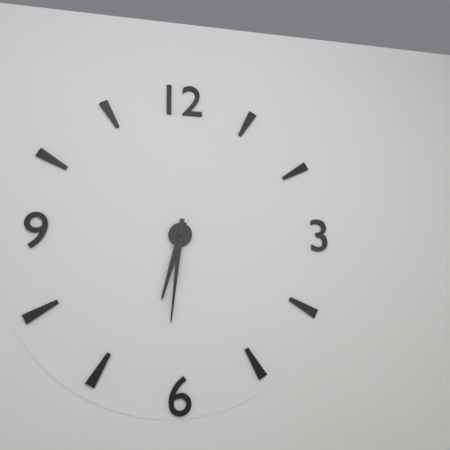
6:31
